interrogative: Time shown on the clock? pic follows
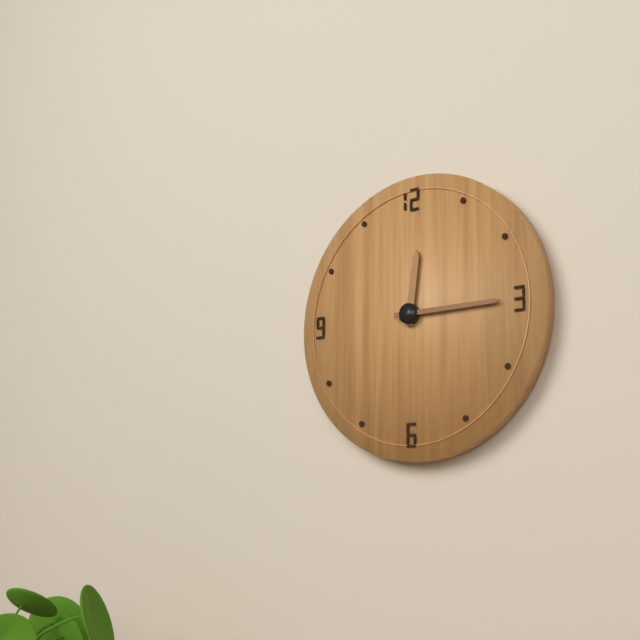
12:15
